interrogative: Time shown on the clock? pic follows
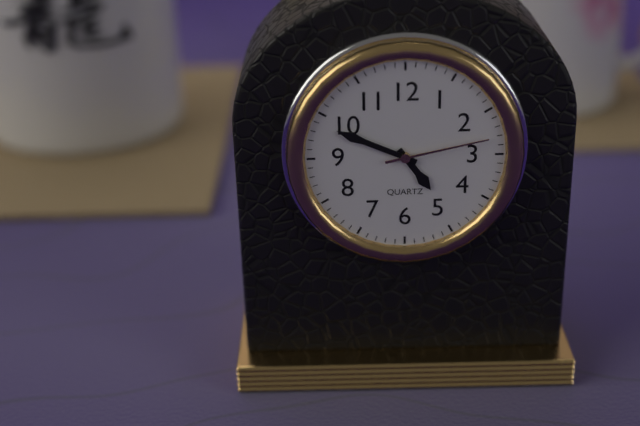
4:49:13
